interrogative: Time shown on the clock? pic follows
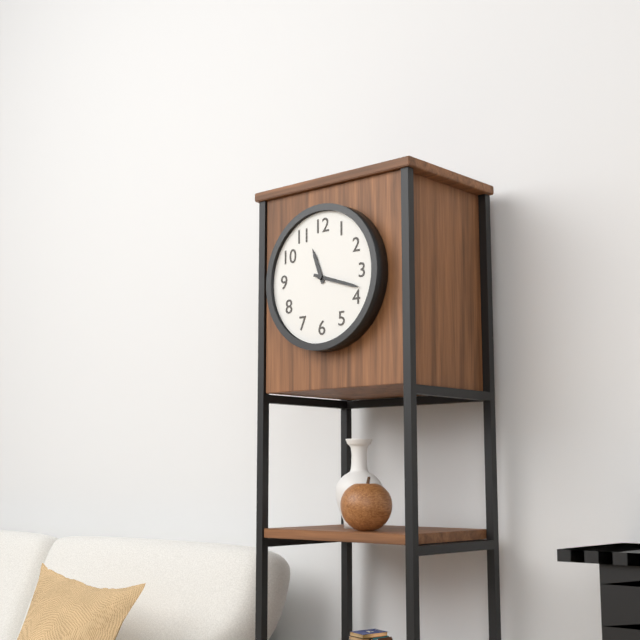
11:18
